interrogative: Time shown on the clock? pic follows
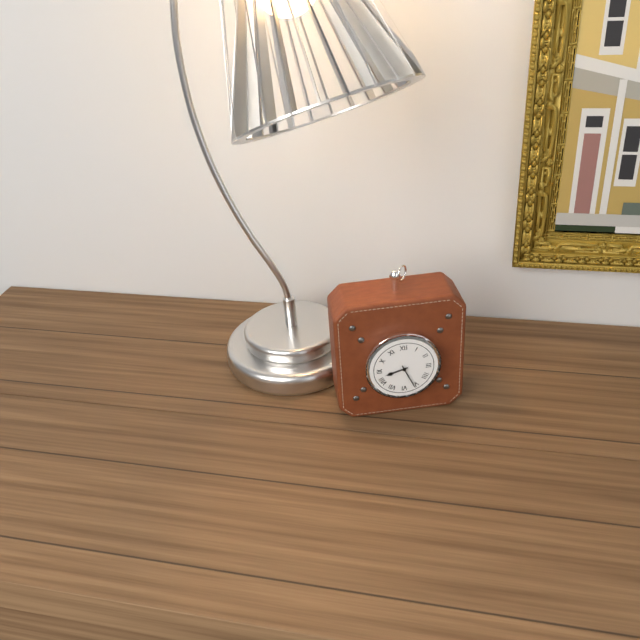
8:26
